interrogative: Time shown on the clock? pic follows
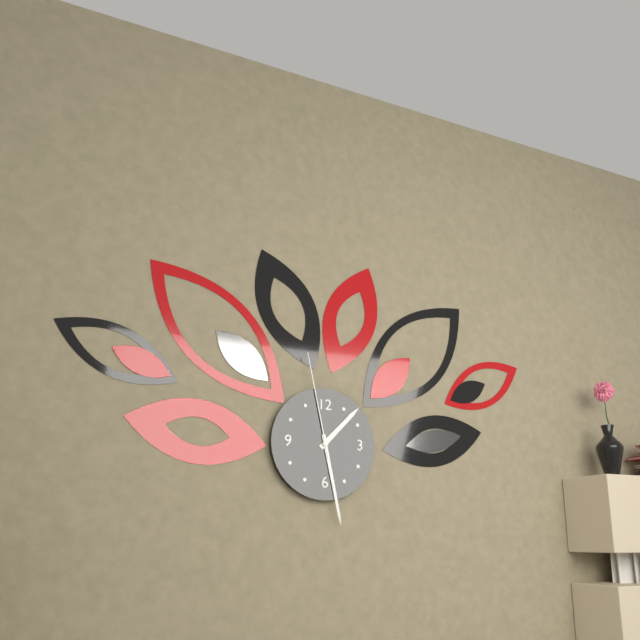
1:28:58
